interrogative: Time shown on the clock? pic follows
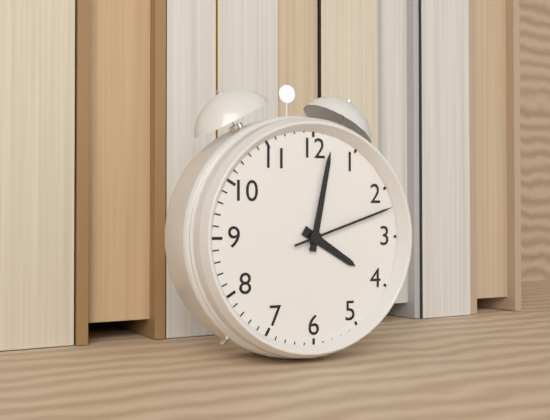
4:02:12
